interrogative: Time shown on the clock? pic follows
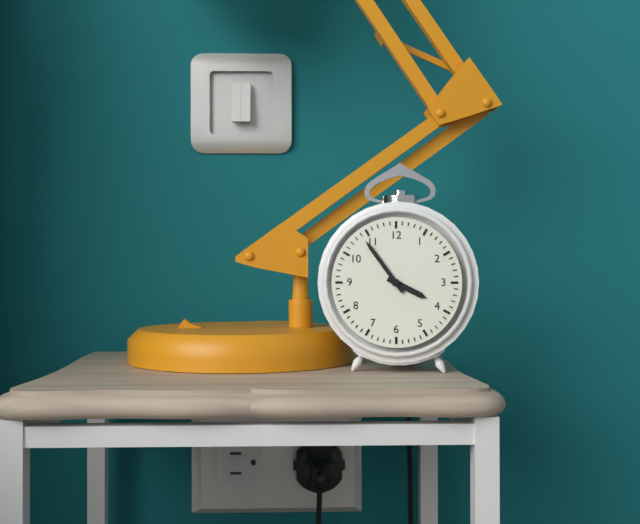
3:54
